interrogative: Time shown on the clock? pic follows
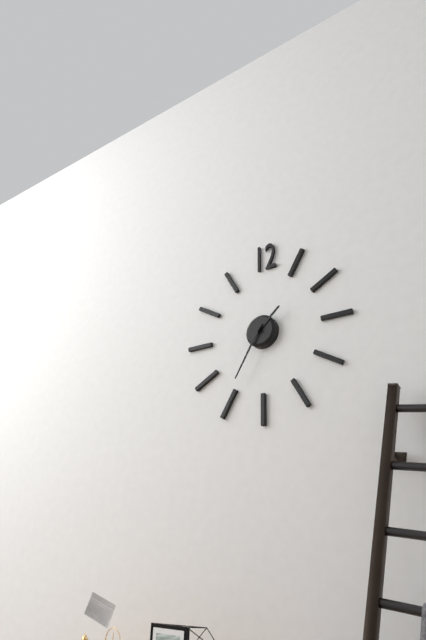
1:35
